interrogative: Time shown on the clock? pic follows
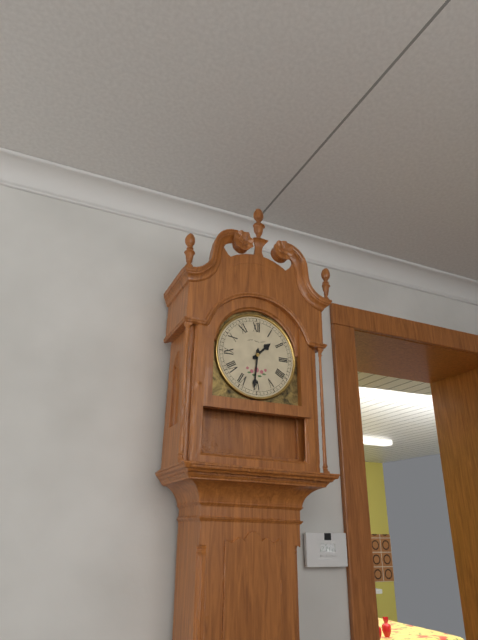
1:31
